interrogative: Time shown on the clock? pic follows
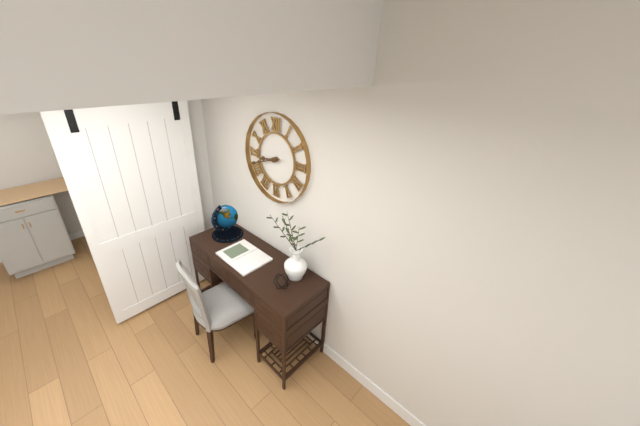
8:42
